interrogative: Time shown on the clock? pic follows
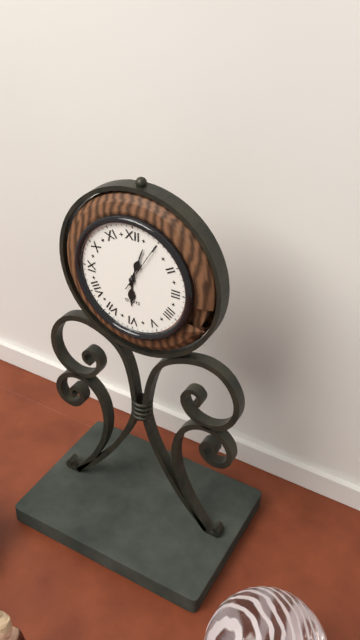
6:03:05
